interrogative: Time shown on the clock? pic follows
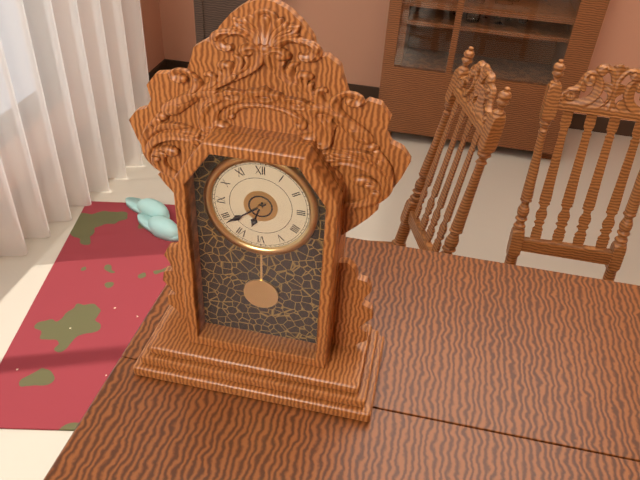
6:39
